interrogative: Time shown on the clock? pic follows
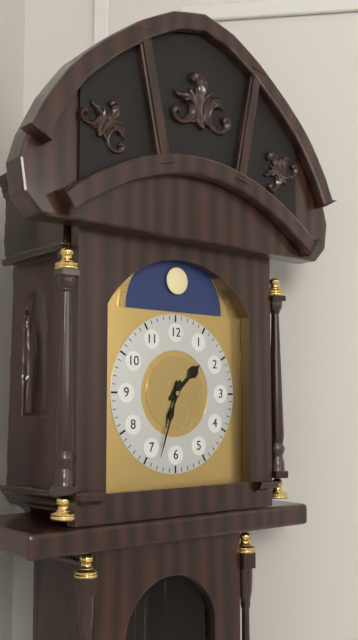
1:33
